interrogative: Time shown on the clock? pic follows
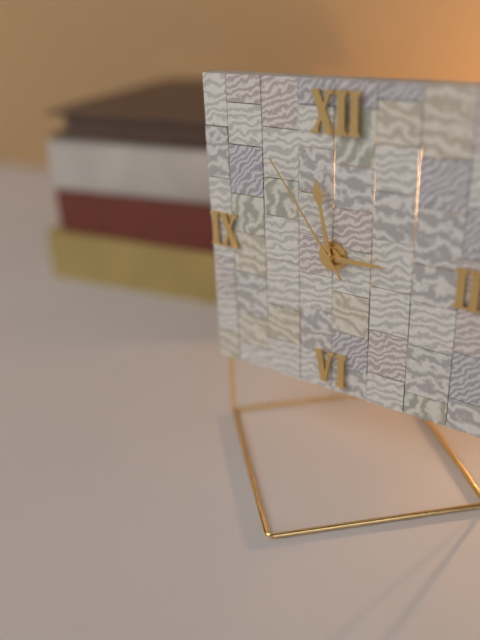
2:58:54
